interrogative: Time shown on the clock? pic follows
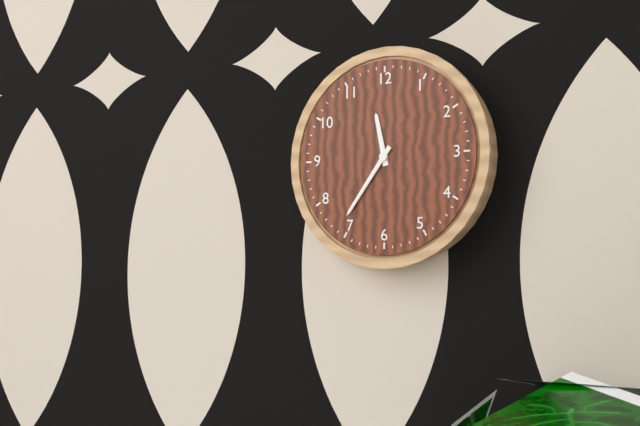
11:36
